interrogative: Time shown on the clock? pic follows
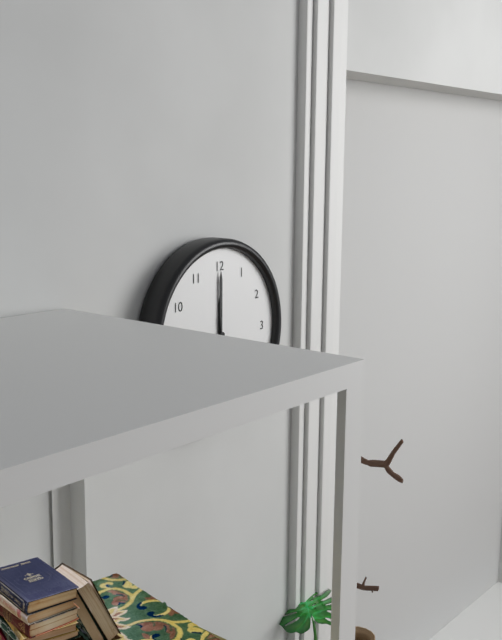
12:00
